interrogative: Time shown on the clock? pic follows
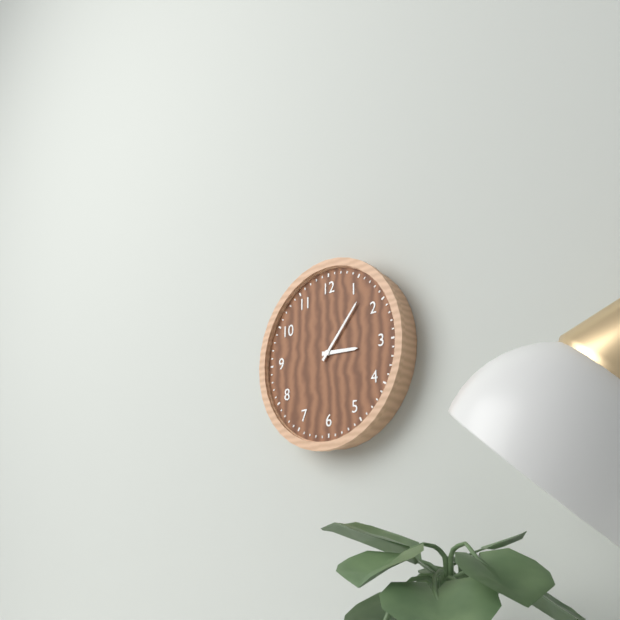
3:07
